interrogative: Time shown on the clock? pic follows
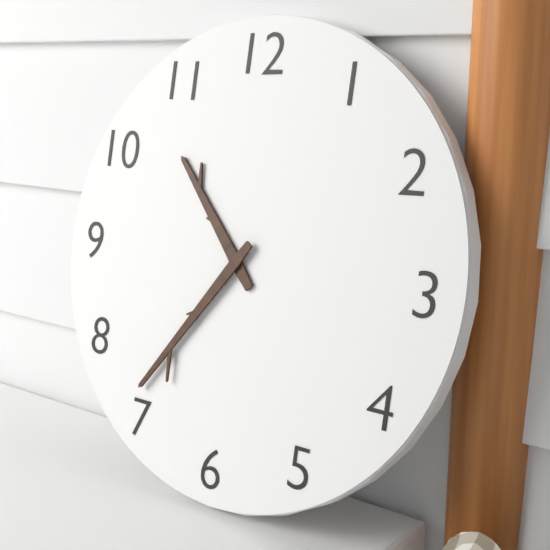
10:36
